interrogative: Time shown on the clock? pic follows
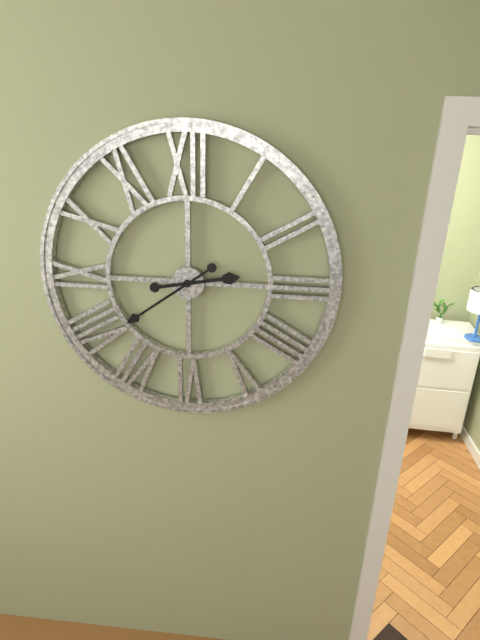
2:39
